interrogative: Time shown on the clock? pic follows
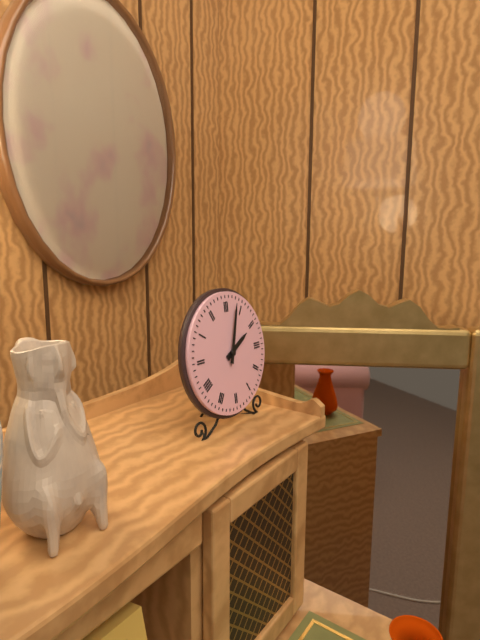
2:03
